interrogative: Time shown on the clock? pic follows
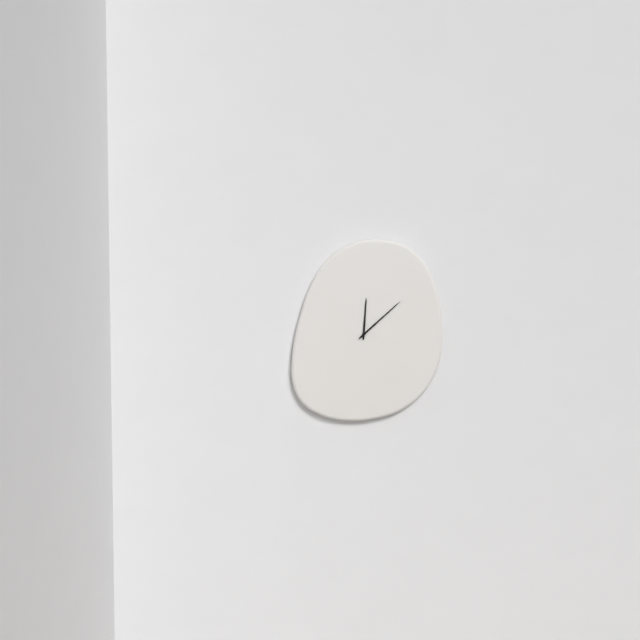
12:08
